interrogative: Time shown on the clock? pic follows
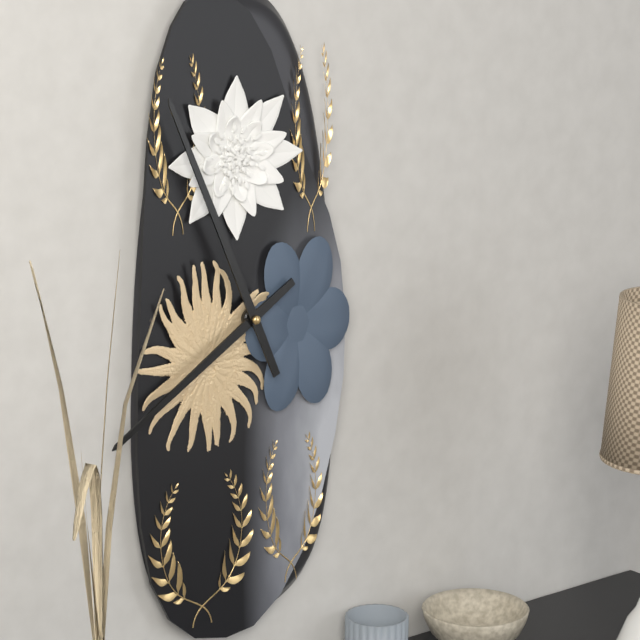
7:56
